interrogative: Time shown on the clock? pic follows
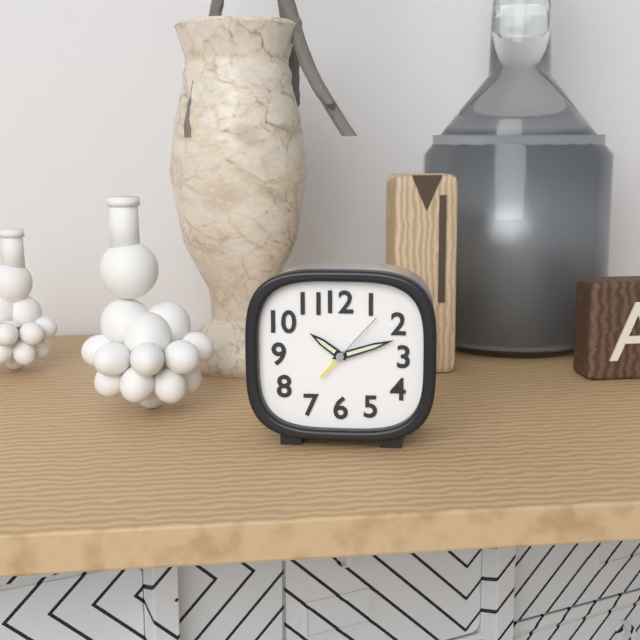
10:12:07
